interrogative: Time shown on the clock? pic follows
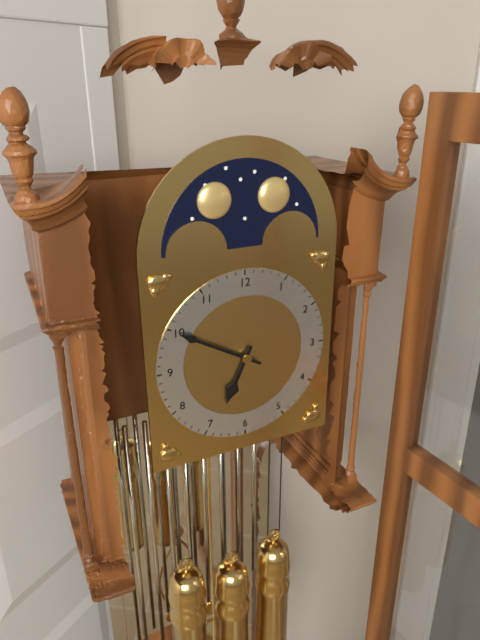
6:50
